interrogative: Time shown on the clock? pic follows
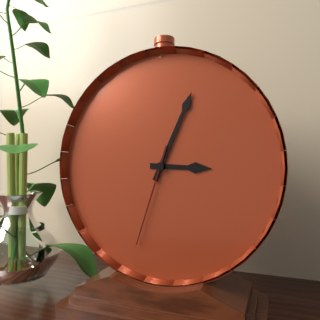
3:04:33
